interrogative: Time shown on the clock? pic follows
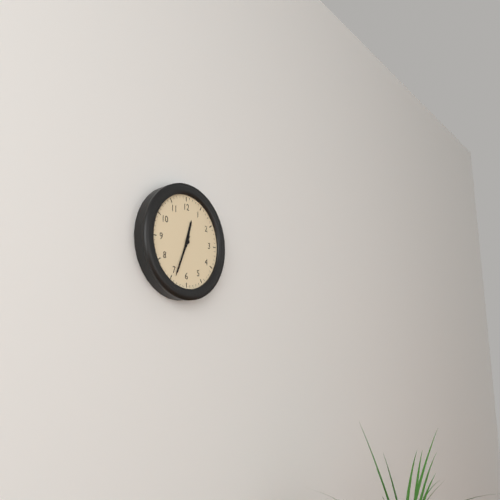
12:34
